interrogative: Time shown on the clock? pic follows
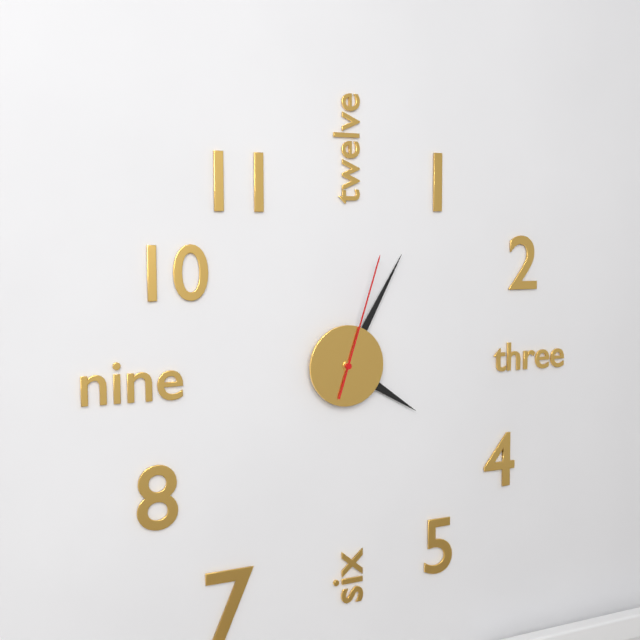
4:05:03
